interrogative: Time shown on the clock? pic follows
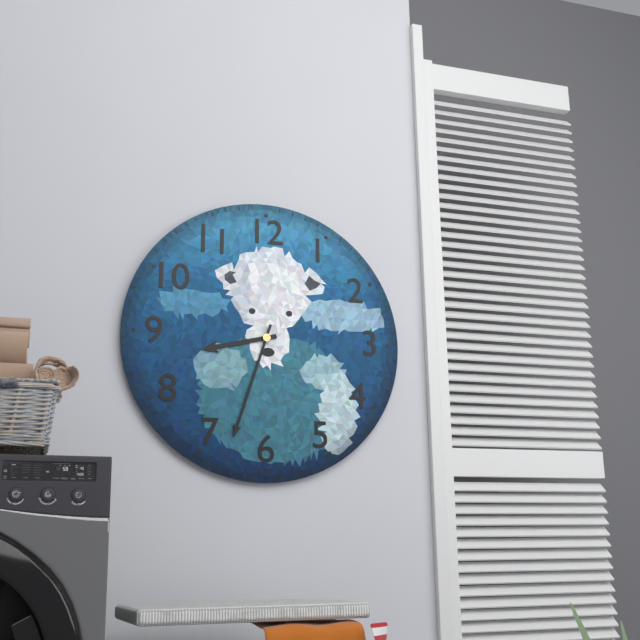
8:33
